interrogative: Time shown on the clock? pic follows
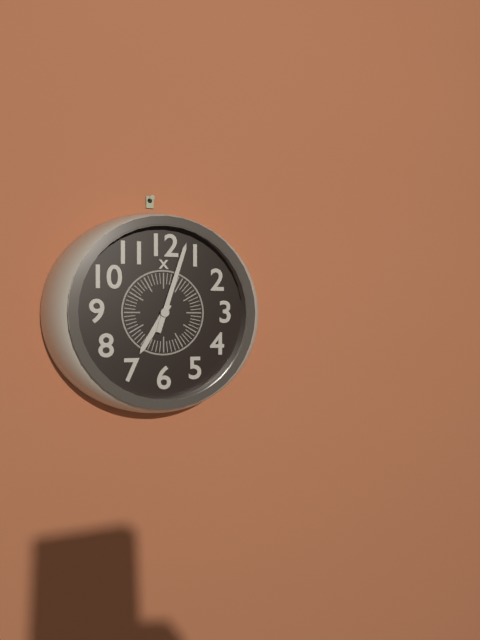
7:03
